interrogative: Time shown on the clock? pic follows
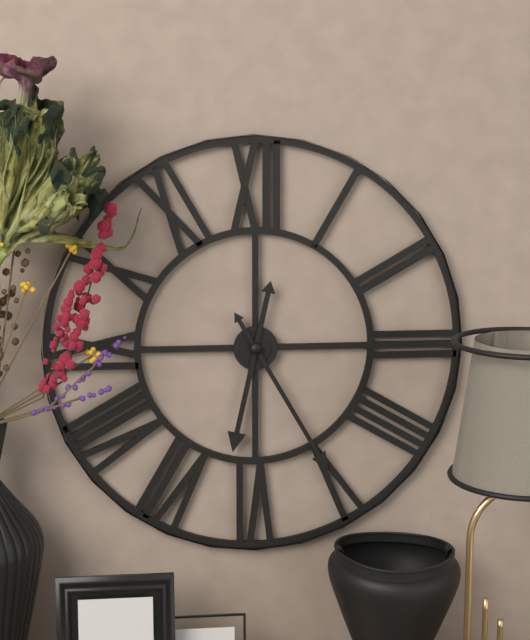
6:25
